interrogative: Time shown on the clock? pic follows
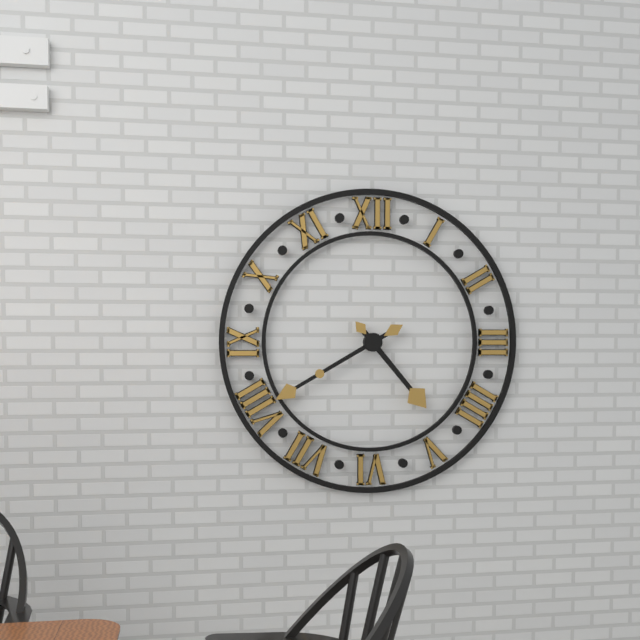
4:40
